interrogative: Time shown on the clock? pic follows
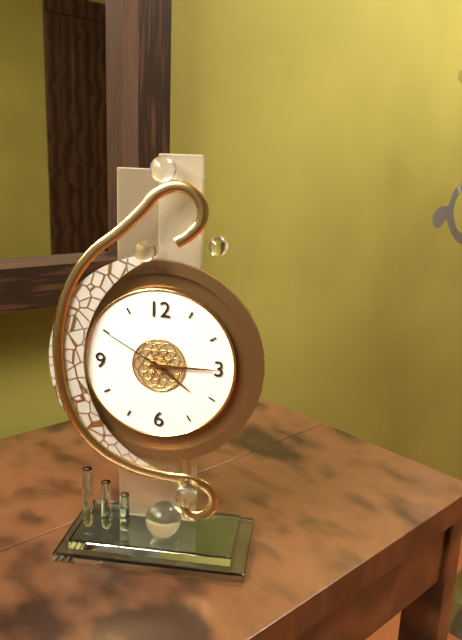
4:15:50
